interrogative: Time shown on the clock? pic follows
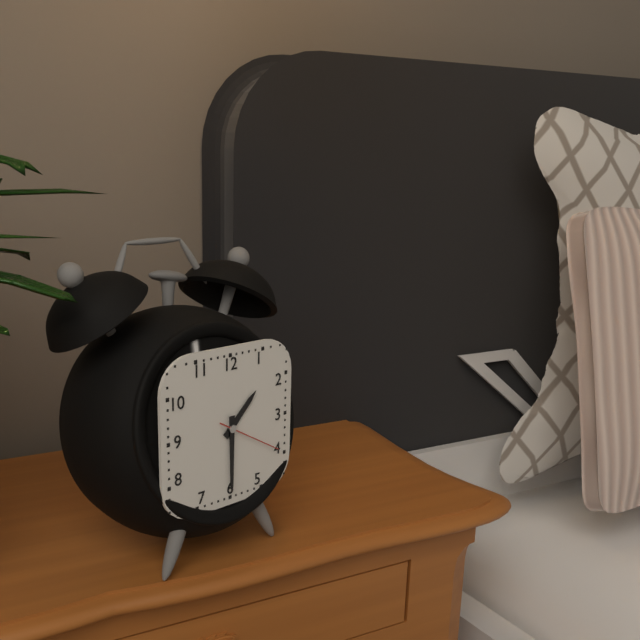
1:30:20
